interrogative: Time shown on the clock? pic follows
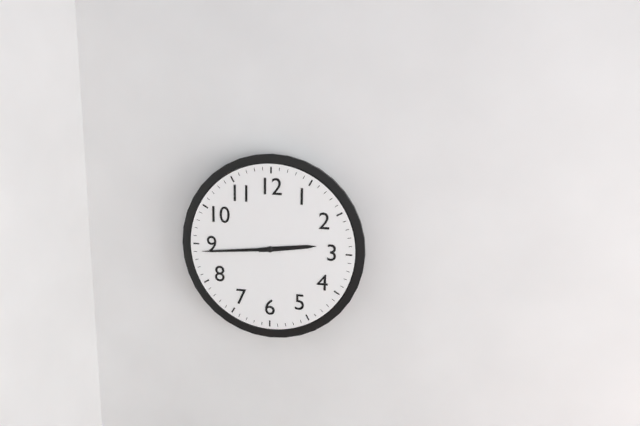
2:44
